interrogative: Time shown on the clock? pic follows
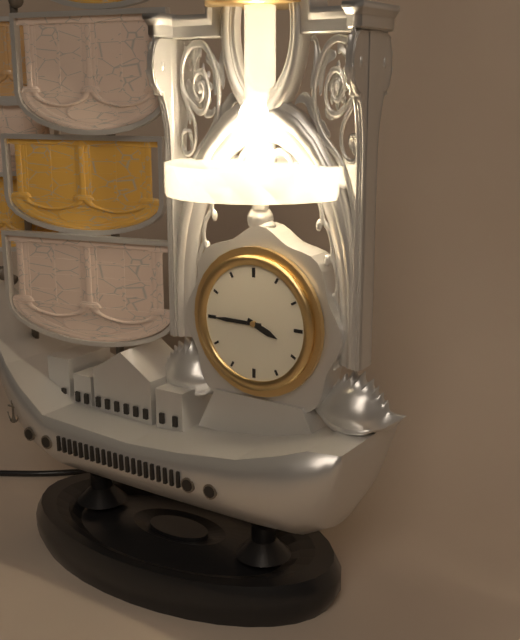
3:45
